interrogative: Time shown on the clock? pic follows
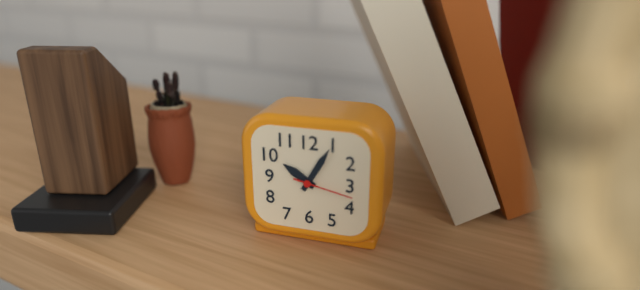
10:05:17
